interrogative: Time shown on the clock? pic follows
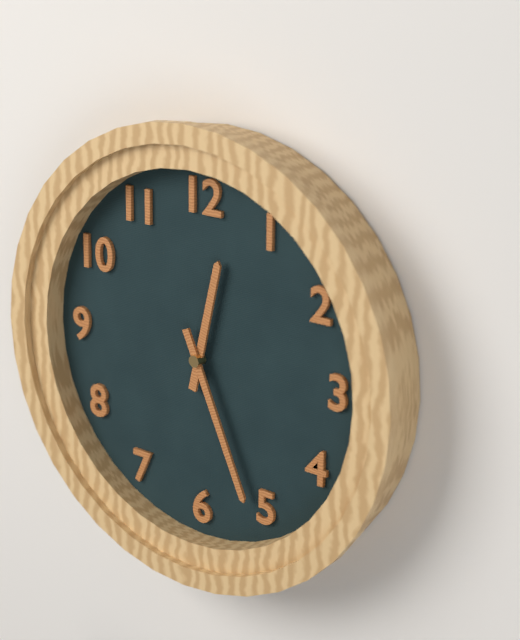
12:26
